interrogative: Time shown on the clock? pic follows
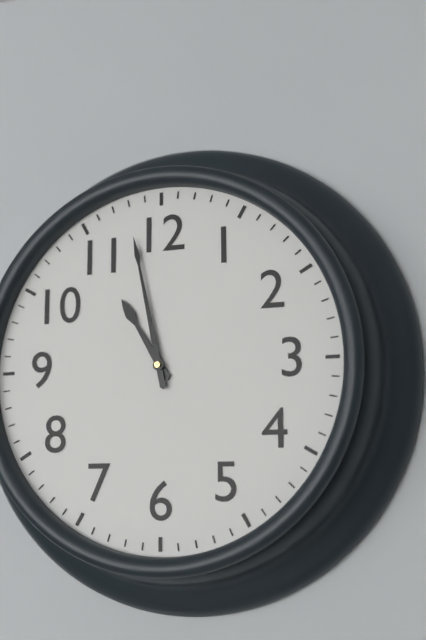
10:58
